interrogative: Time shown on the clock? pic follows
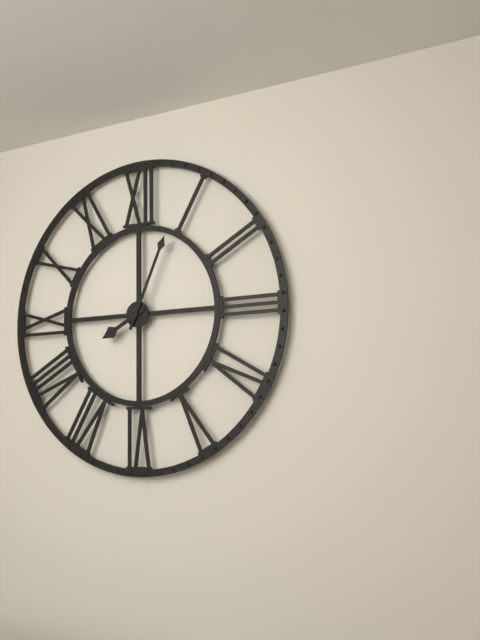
8:04
